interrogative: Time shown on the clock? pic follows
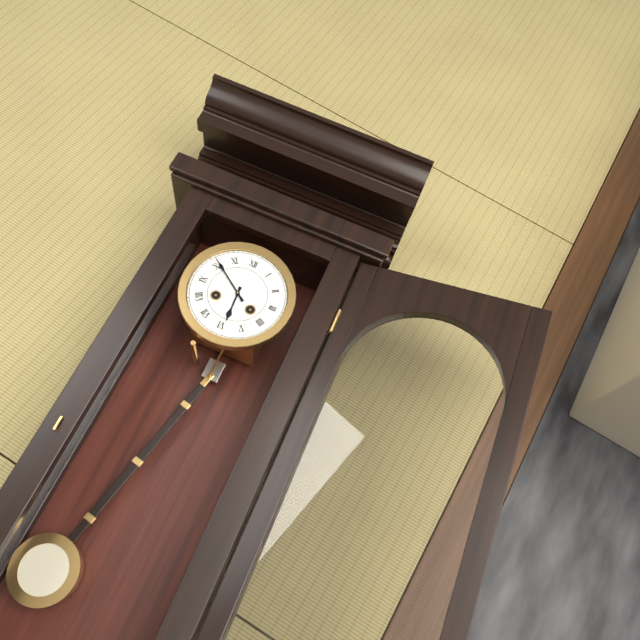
5:51
